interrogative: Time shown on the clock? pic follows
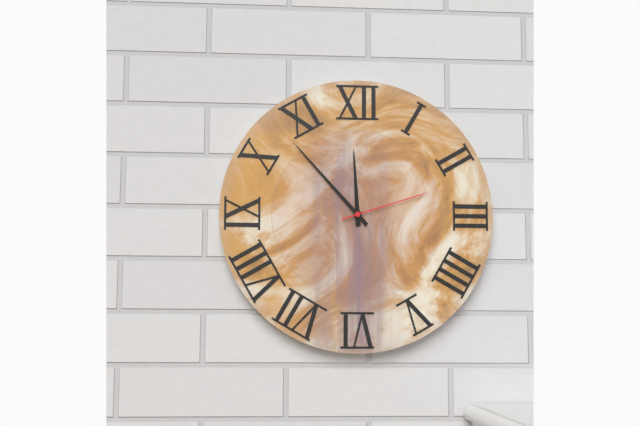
11:53:12
